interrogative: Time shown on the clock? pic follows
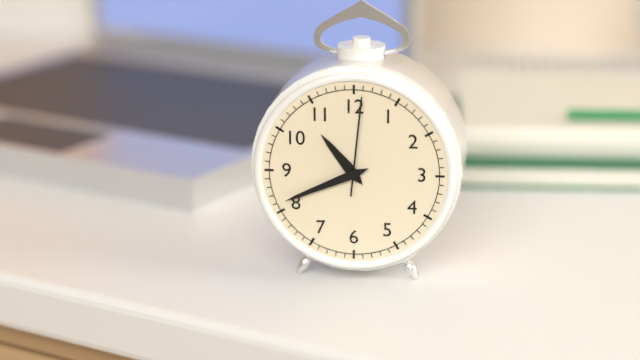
10:41:01
